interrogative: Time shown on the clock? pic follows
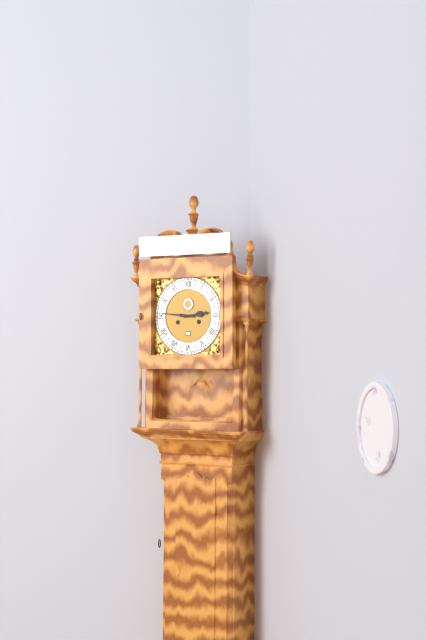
2:46
